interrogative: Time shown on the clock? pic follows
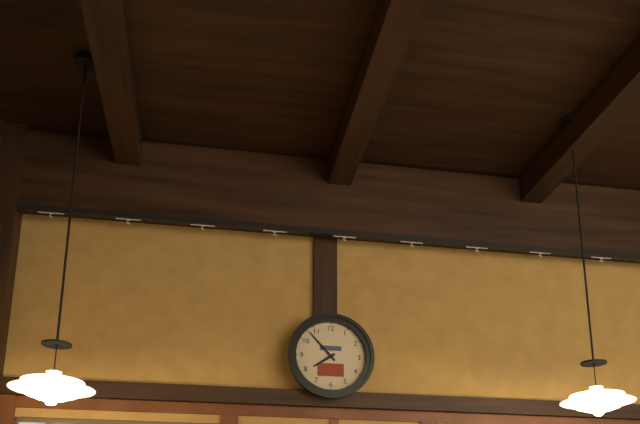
7:53
